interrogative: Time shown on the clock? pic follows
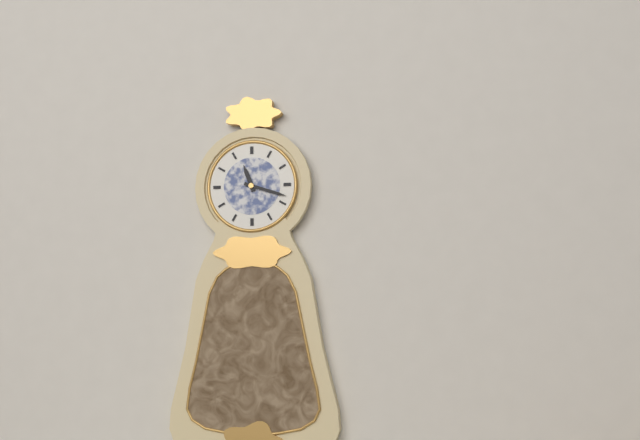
11:18
